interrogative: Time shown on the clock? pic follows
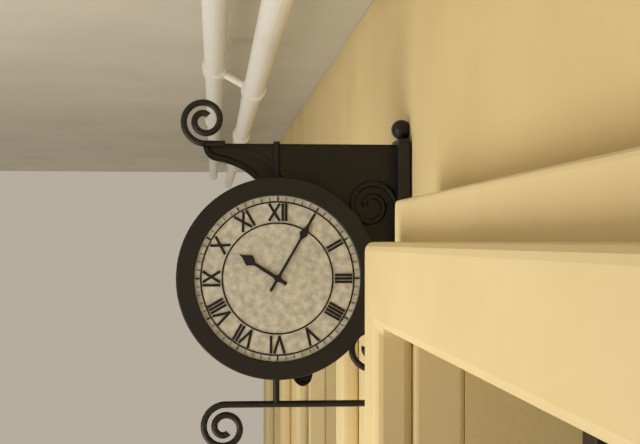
10:05
